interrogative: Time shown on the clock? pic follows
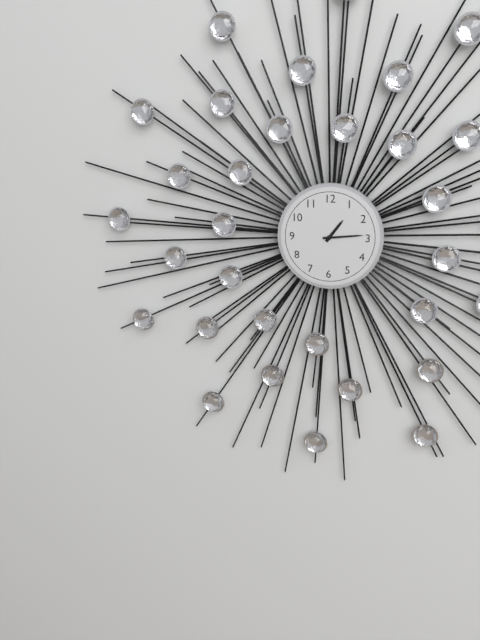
1:14
